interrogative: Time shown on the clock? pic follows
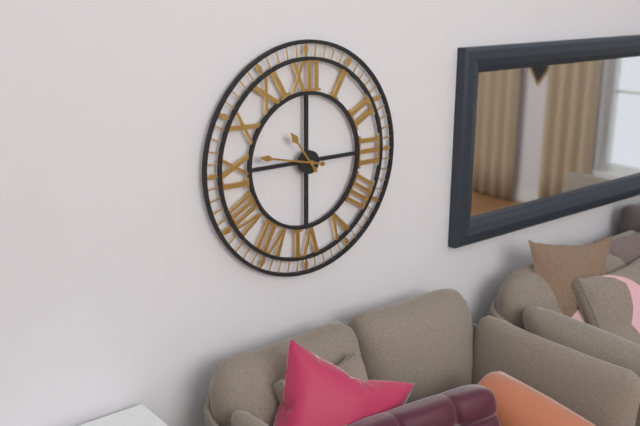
10:47
